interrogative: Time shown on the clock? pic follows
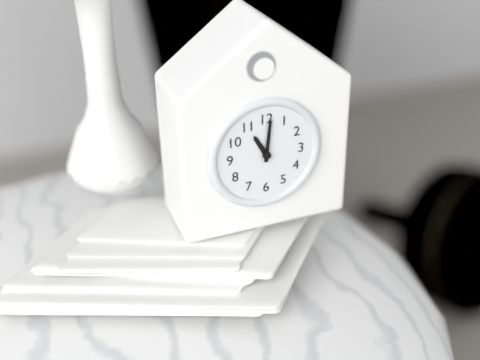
11:01
